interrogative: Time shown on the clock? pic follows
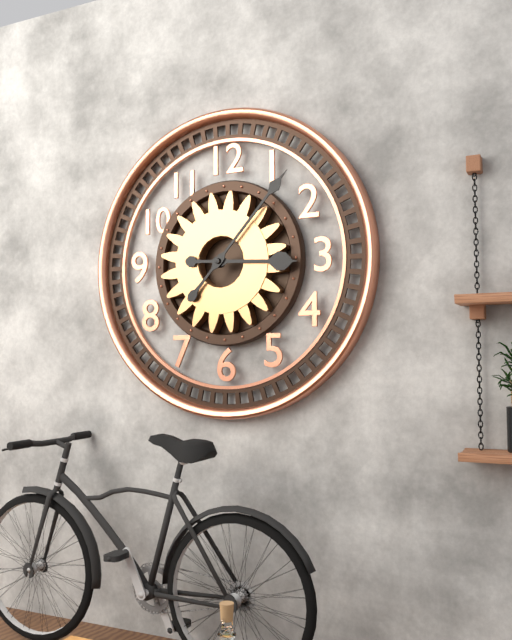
3:07
